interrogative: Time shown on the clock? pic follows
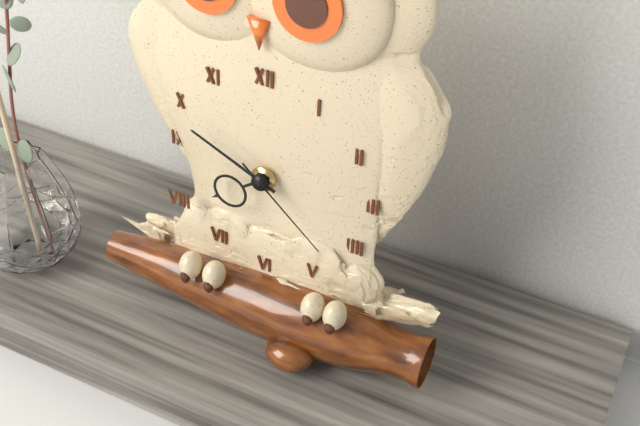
7:49:22
